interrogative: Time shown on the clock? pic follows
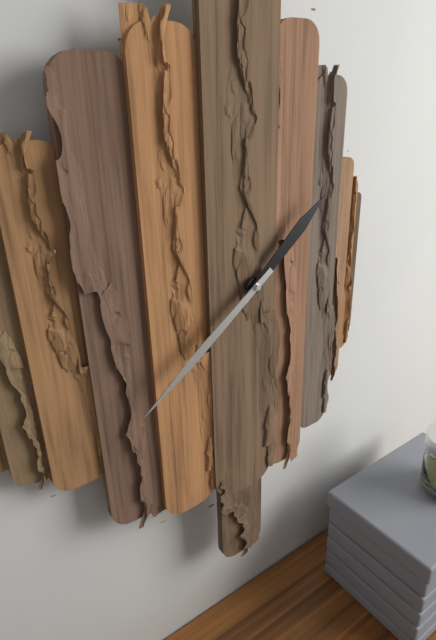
1:39
